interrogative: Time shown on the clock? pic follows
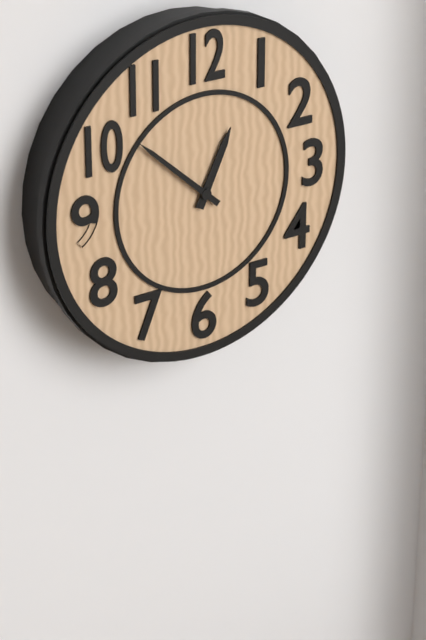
12:52
